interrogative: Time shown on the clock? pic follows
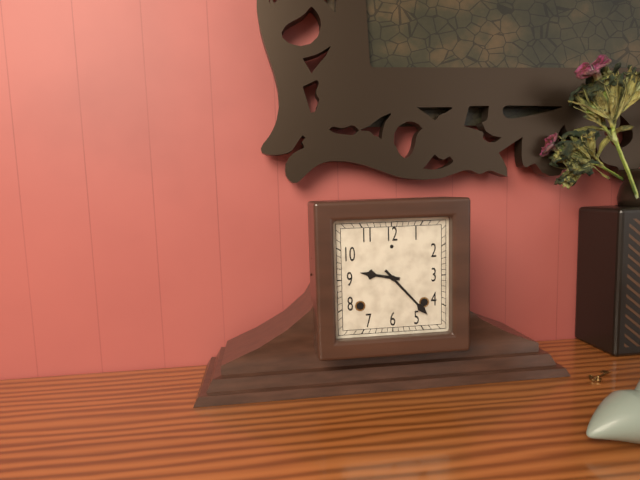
9:23
